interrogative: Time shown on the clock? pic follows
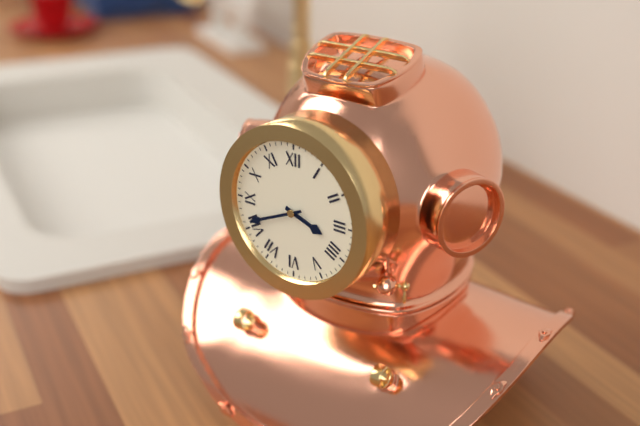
3:41
